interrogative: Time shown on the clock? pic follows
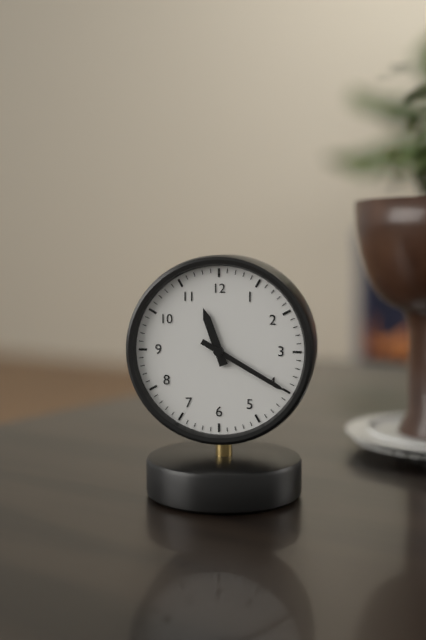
11:20
